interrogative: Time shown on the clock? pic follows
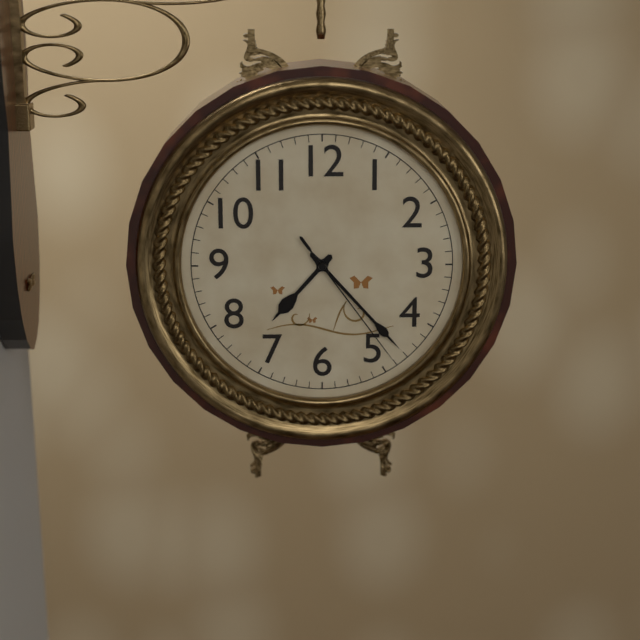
7:23:24
